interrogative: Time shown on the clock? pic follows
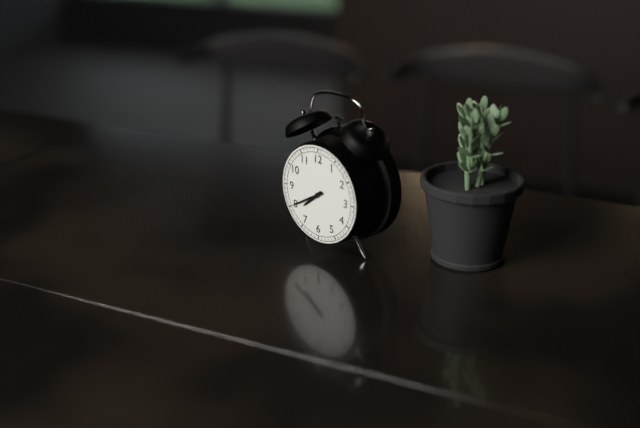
7:40
